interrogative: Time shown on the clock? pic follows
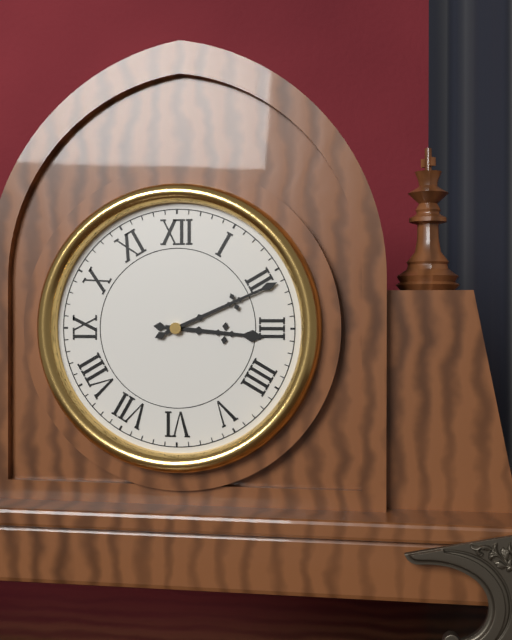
3:11
